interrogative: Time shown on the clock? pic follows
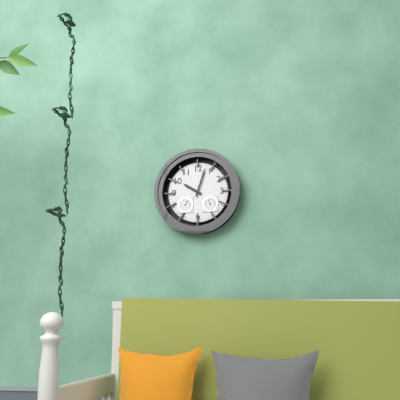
10:03
